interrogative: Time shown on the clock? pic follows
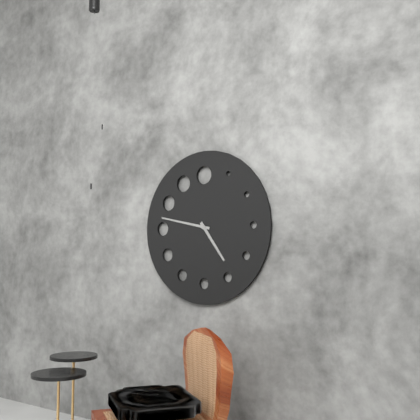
4:47
